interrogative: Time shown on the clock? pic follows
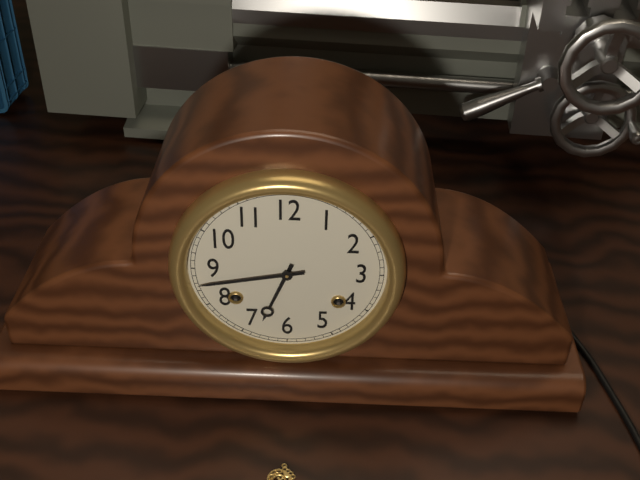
6:43
